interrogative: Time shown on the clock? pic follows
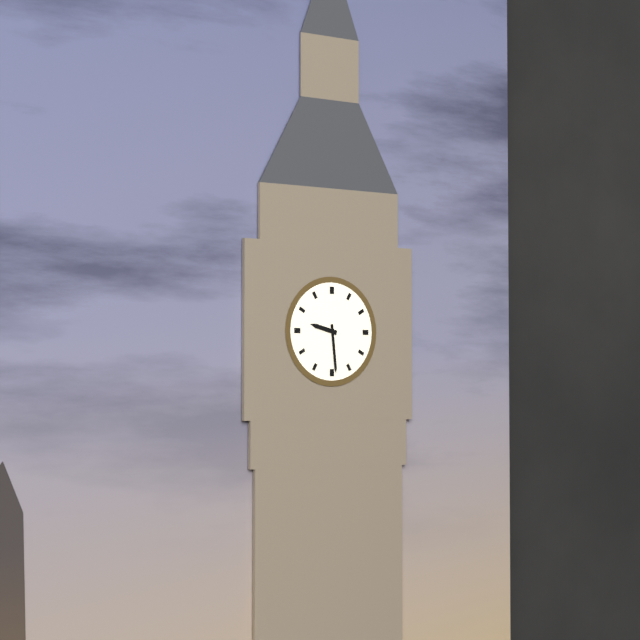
9:29
